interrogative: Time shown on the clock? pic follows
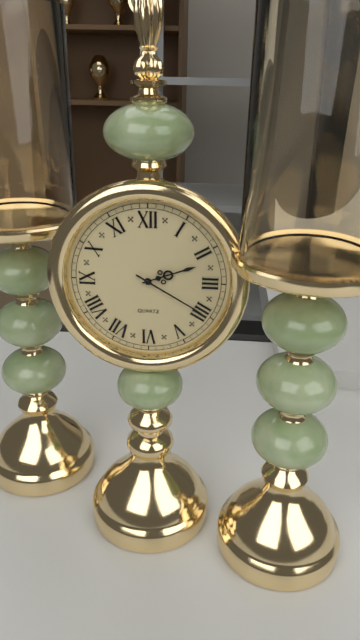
2:20
